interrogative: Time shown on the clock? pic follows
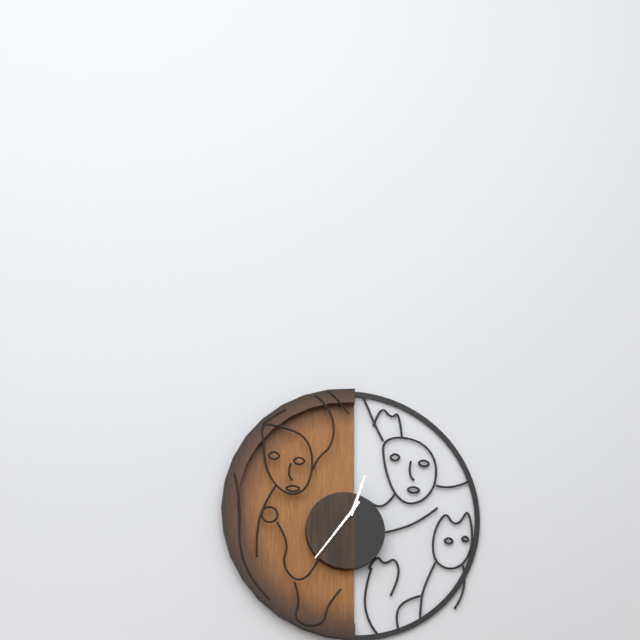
12:36
